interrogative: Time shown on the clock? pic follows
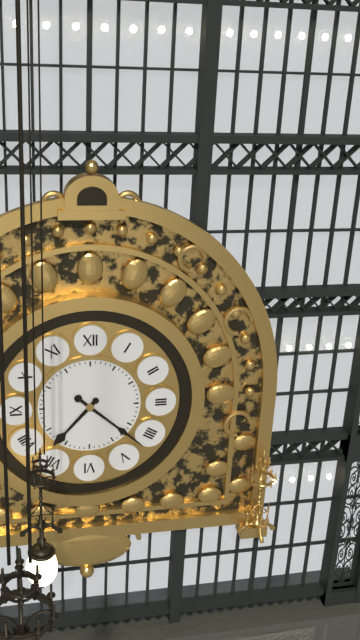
7:22
